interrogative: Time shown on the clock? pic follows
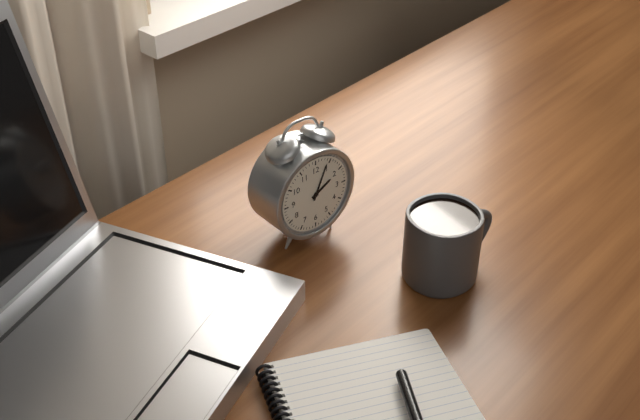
2:04
